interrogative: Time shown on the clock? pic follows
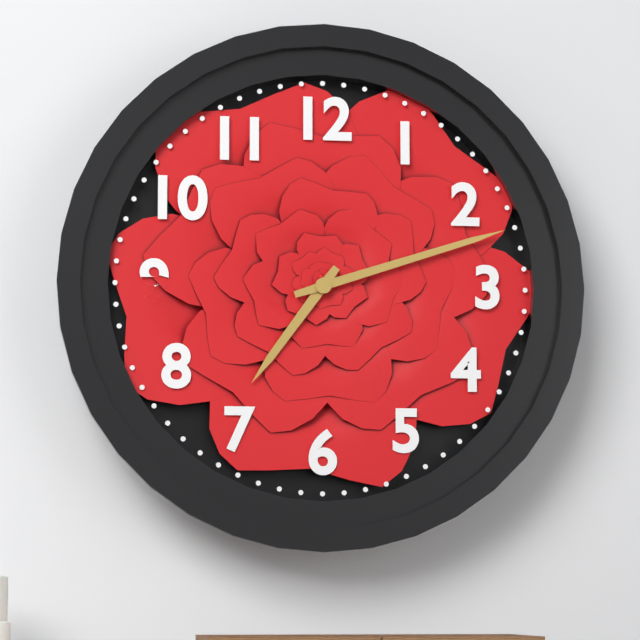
7:12
